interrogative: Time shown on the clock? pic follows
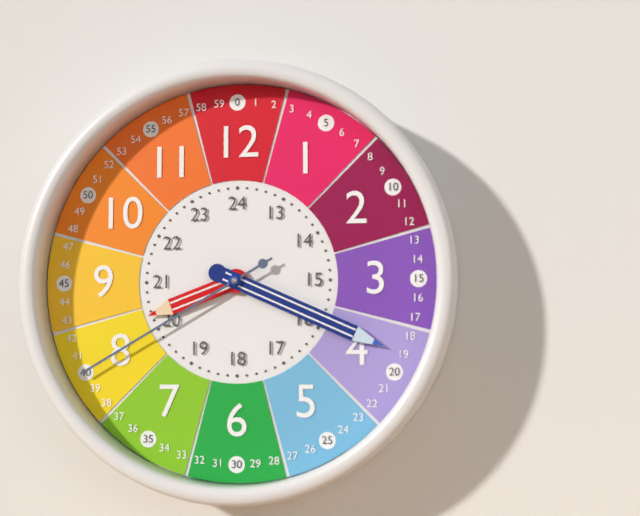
8:19:40
